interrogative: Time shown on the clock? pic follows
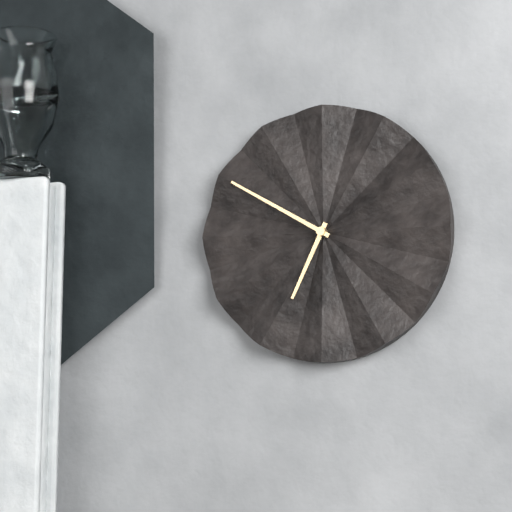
6:50
